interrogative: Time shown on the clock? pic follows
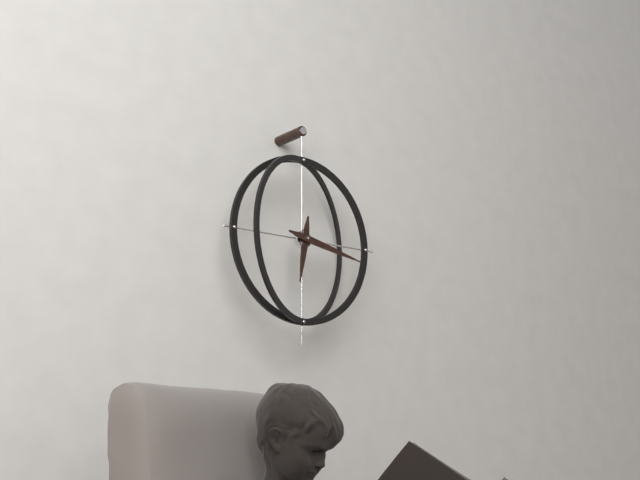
6:17
